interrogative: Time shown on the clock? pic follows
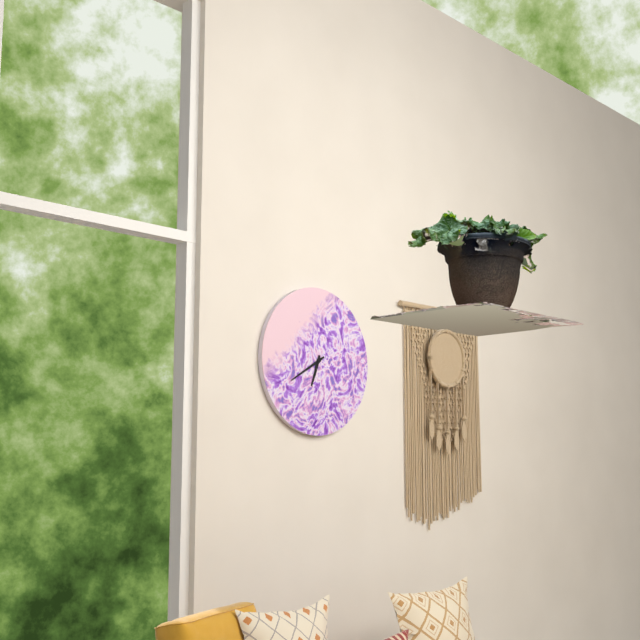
6:40
